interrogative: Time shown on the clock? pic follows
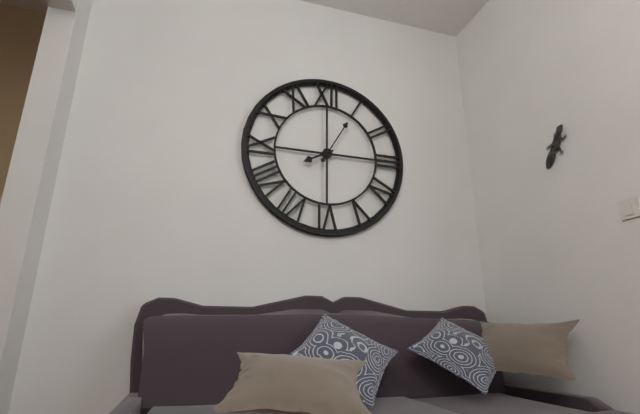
8:05
